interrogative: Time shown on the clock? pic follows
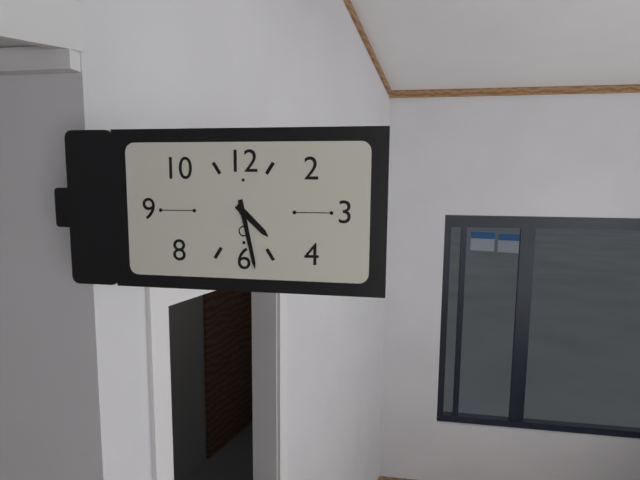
4:28
